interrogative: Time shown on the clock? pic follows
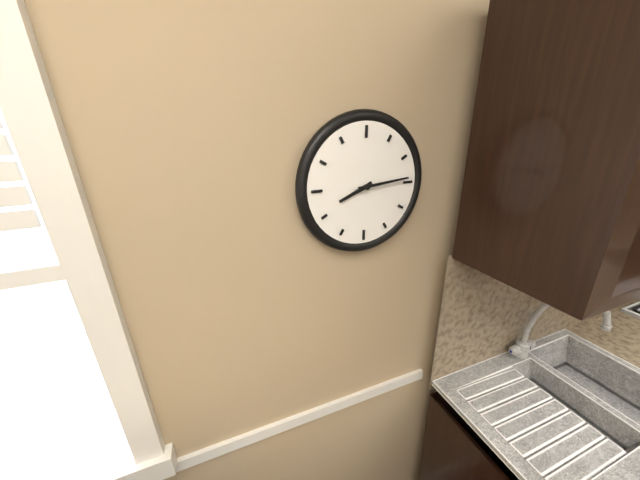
8:14
